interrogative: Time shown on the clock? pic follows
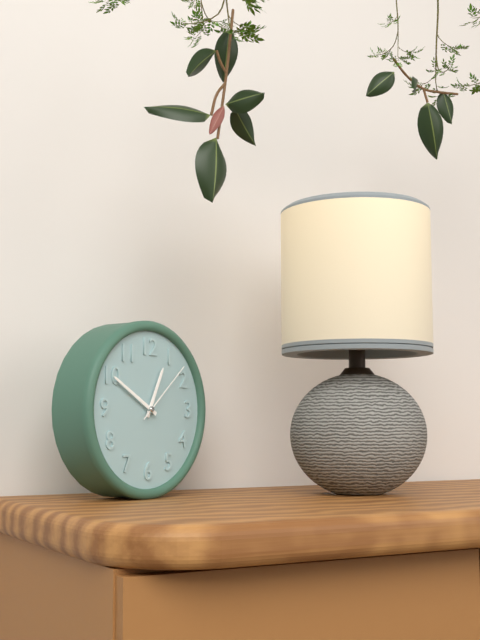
12:50:08
